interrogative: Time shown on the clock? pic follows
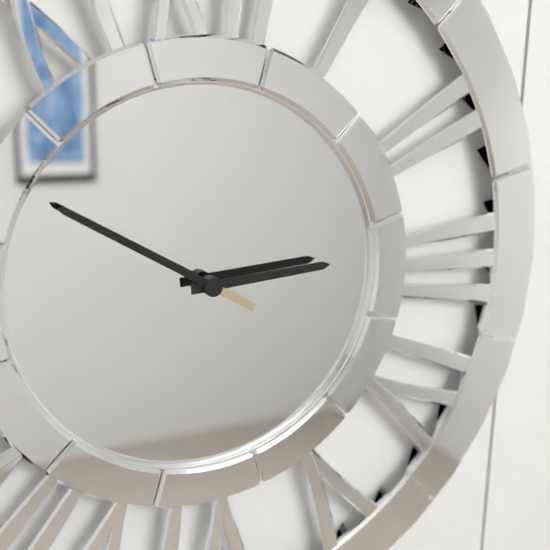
2:50
